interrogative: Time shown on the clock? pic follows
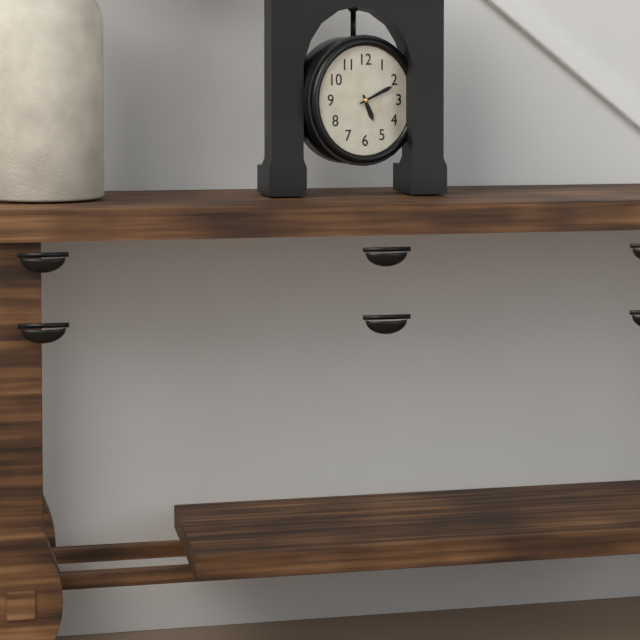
5:11
